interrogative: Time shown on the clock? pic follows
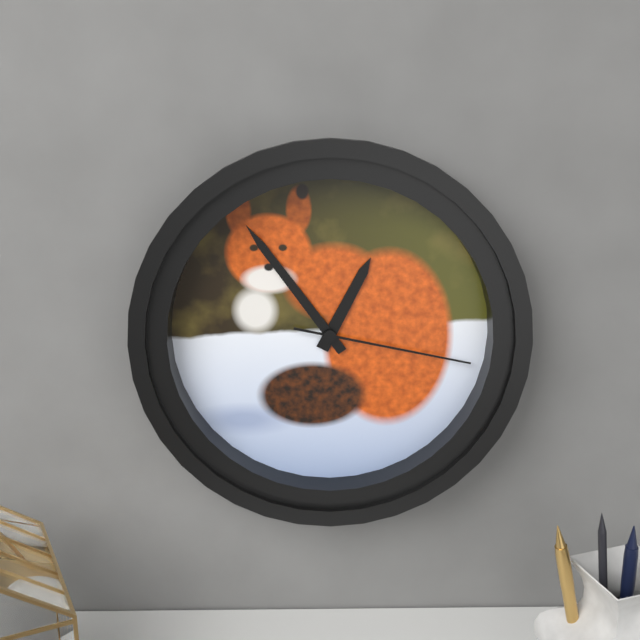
12:54:17
